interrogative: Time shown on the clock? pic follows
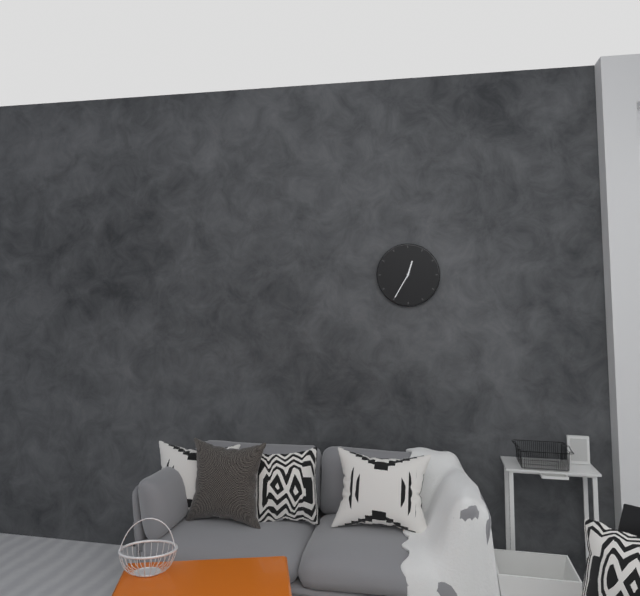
12:35
